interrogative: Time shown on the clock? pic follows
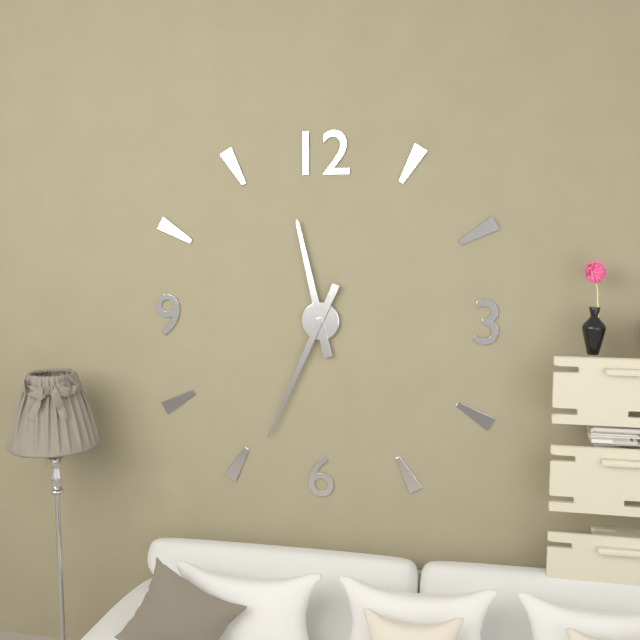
11:34
